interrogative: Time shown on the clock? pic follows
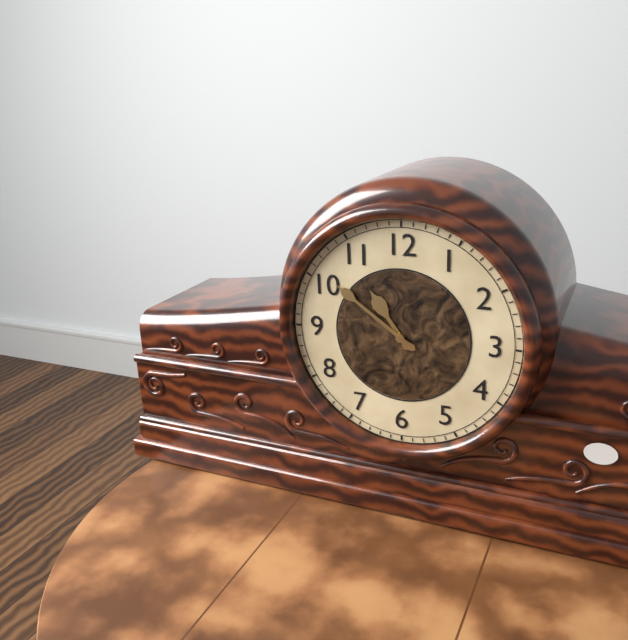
10:51
